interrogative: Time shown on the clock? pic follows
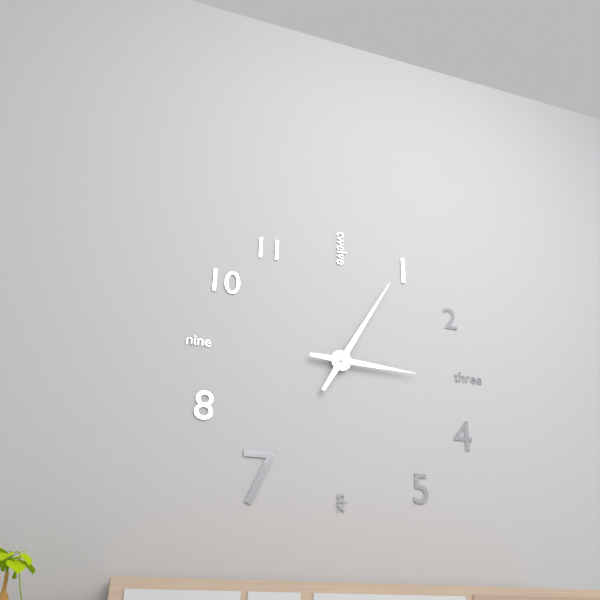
3:05
